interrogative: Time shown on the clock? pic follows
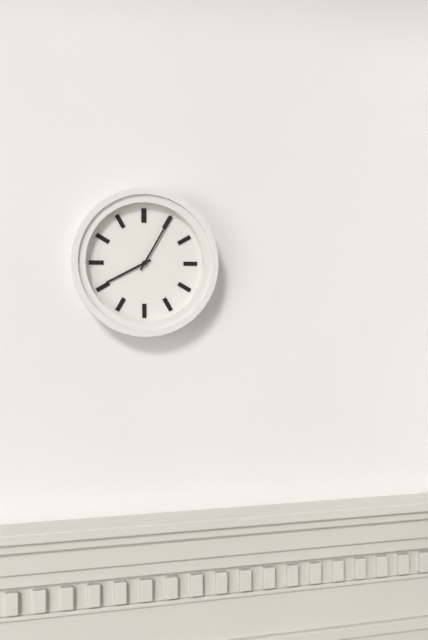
8:05
